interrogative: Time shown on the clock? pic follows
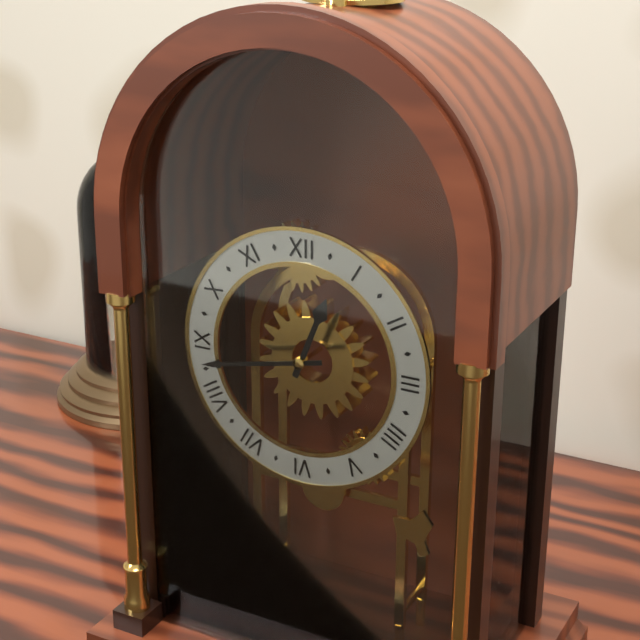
12:43
